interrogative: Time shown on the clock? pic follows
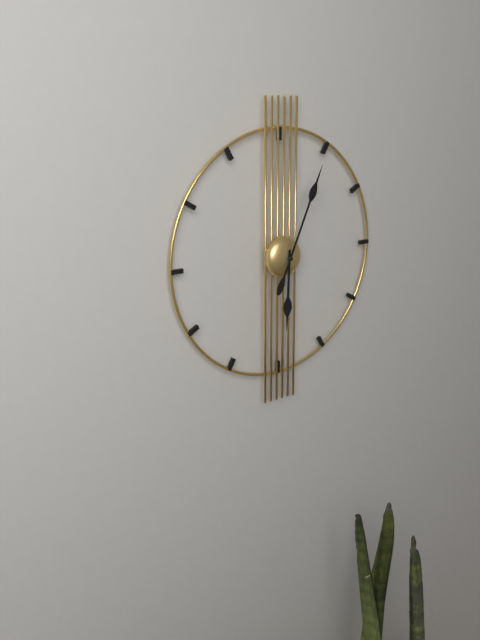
6:04
